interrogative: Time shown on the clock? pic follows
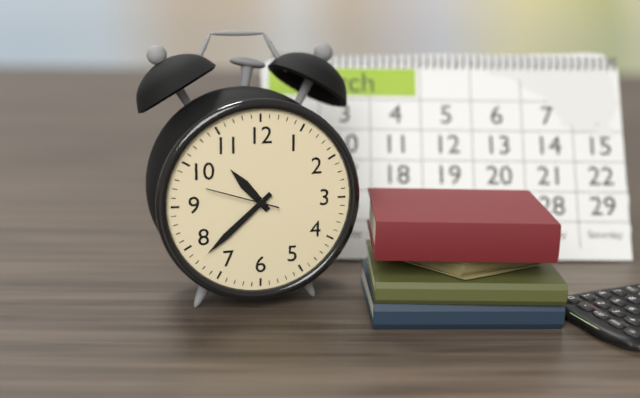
10:38:48
